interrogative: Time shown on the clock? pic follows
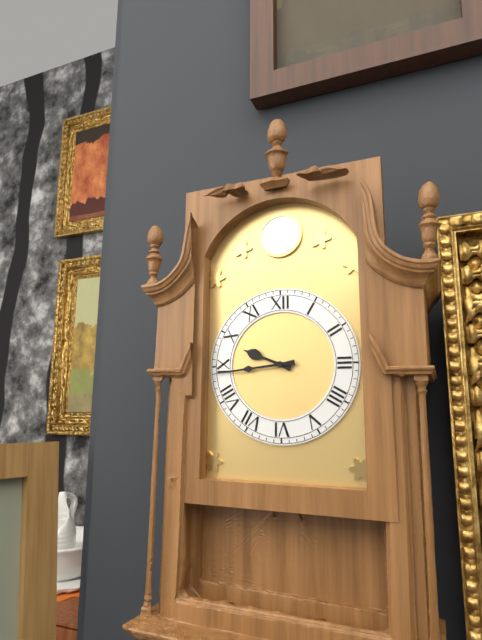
9:44
